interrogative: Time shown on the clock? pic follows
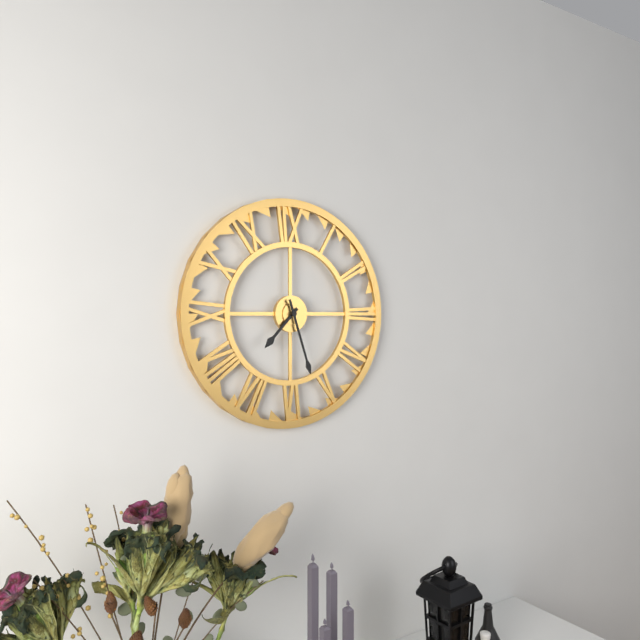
7:27
